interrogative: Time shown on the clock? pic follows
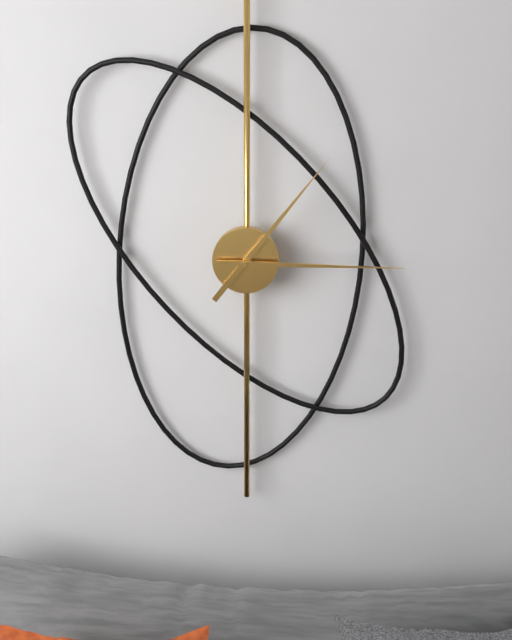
1:15
